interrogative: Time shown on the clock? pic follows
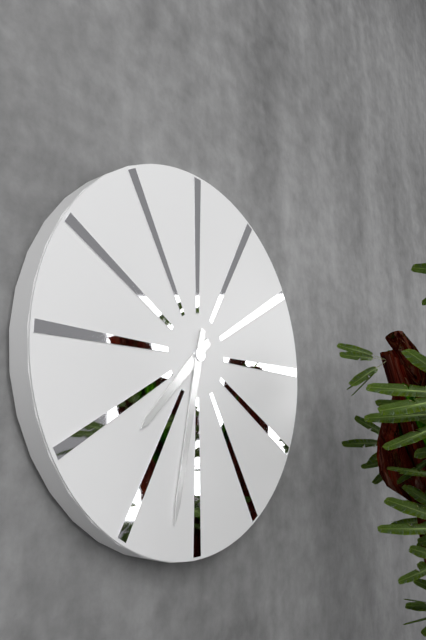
7:32
